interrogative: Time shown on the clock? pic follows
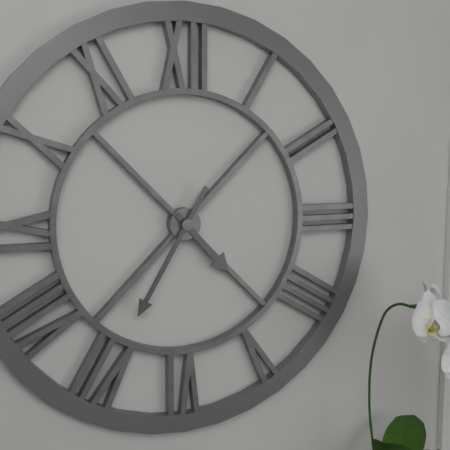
4:35
